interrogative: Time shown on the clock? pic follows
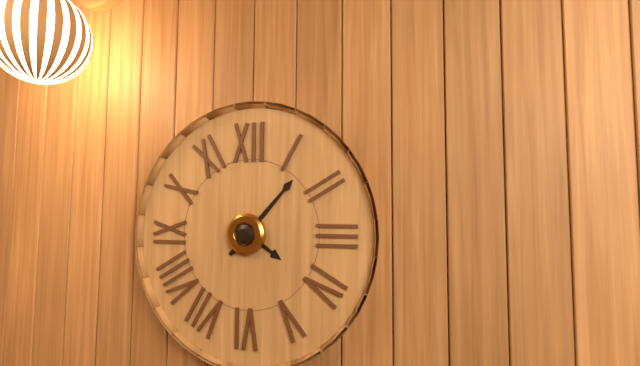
4:07
